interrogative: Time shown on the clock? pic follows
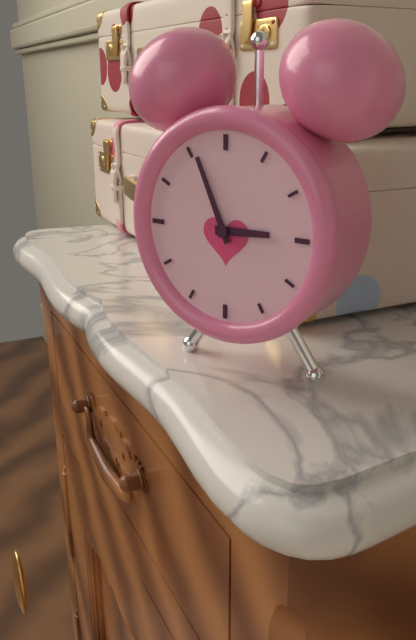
2:56
